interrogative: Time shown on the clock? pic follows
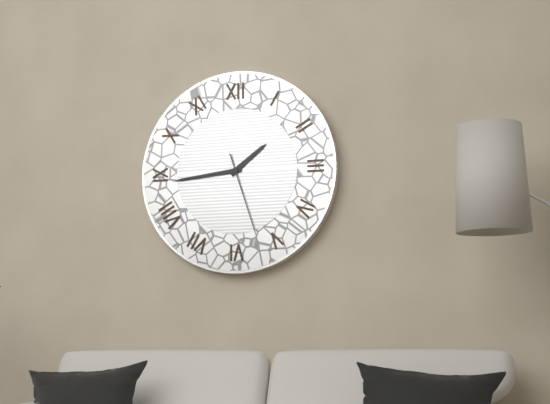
1:44:27
